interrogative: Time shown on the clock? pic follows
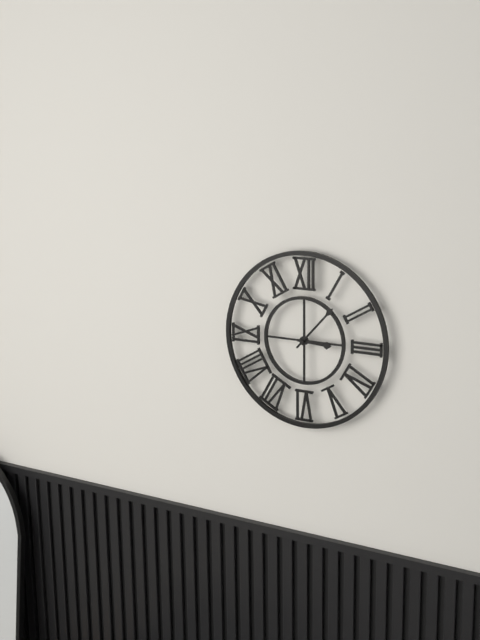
3:07
